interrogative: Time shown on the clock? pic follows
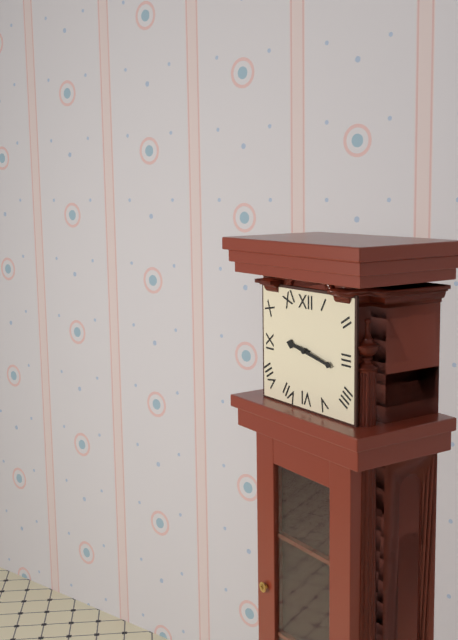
9:17
